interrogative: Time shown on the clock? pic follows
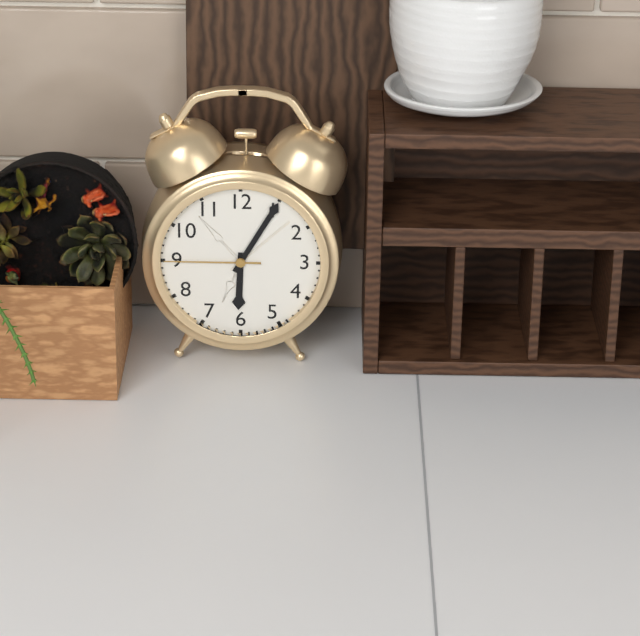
6:05:45
